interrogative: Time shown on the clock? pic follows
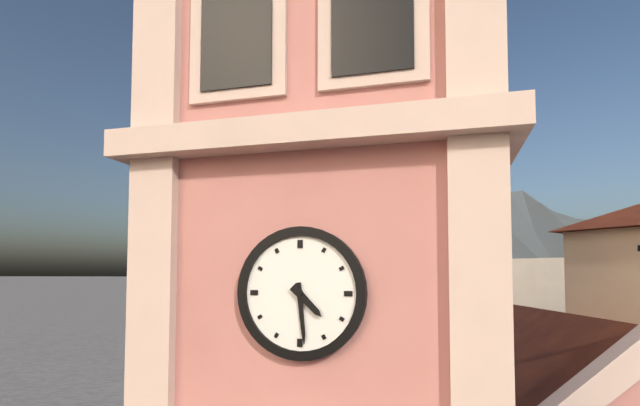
4:29
